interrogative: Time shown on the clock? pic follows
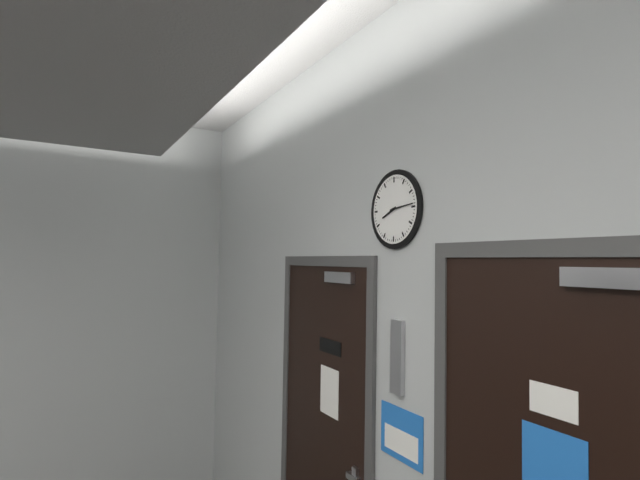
8:14
